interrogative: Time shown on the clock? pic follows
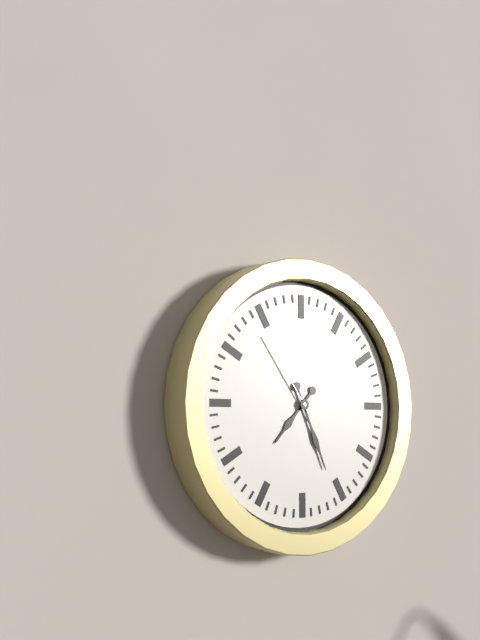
7:26:54
